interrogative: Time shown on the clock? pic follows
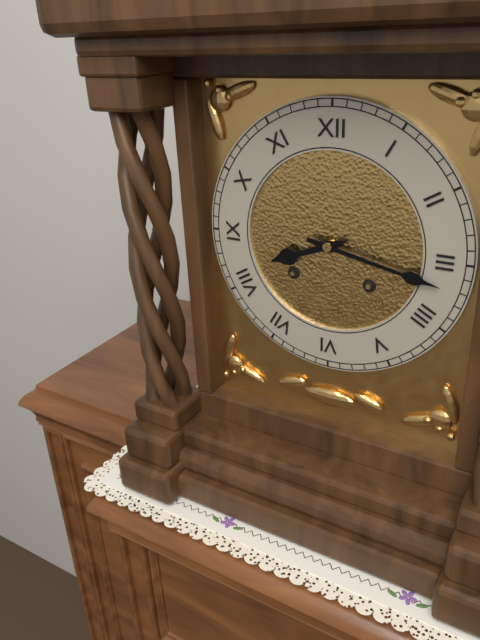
8:17
